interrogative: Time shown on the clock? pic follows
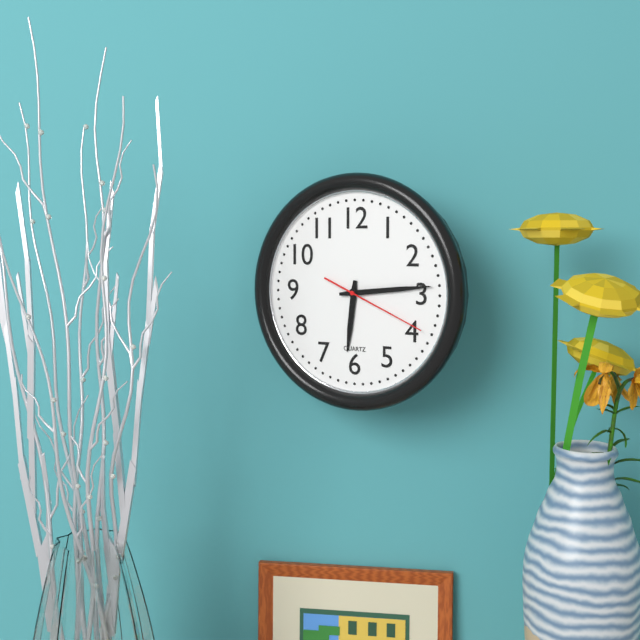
6:14:19
